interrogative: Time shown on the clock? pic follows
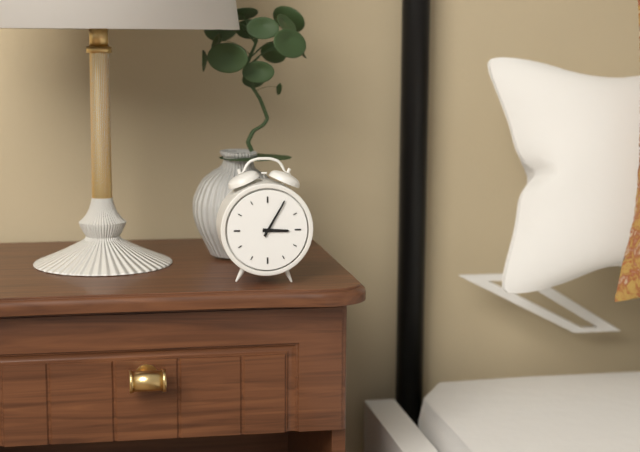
3:05
